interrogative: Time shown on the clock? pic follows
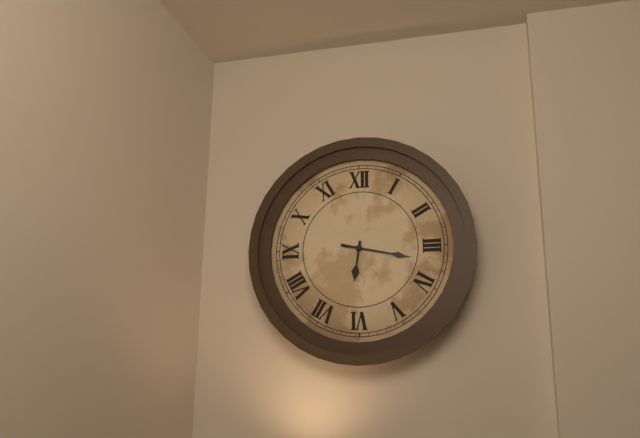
6:17
